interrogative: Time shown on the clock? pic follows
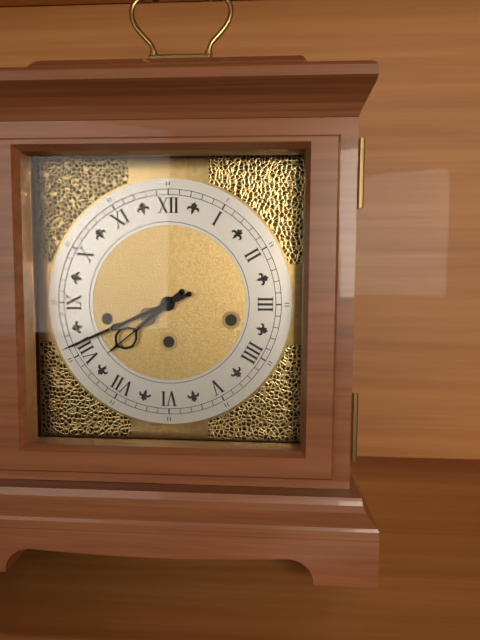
7:41
